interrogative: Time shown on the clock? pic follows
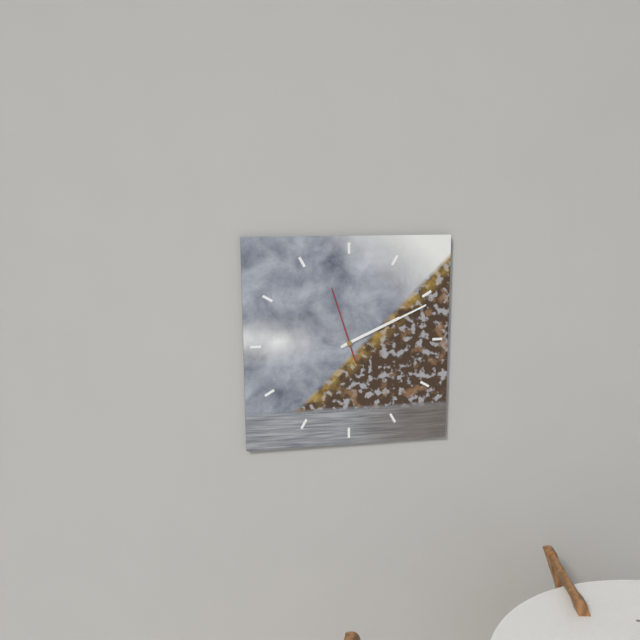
2:11:57
